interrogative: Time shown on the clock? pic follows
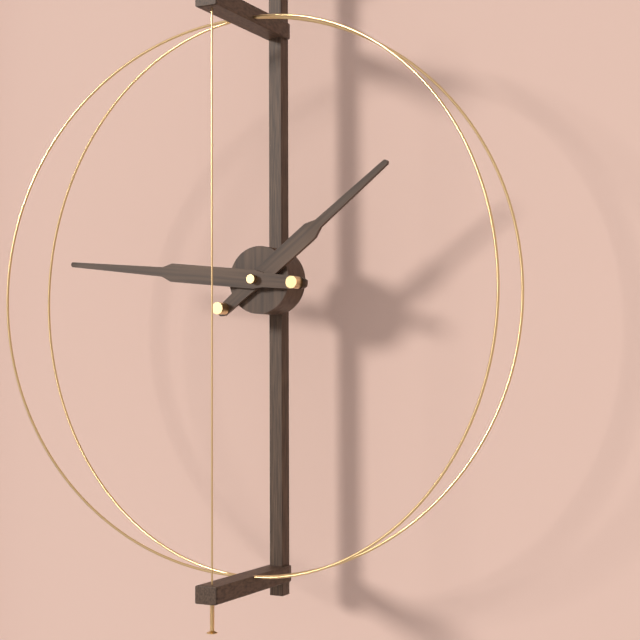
1:46
